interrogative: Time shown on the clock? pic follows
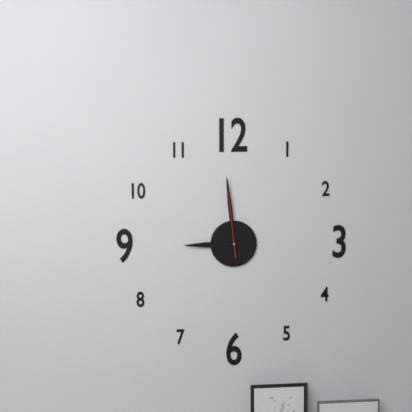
8:59:59
